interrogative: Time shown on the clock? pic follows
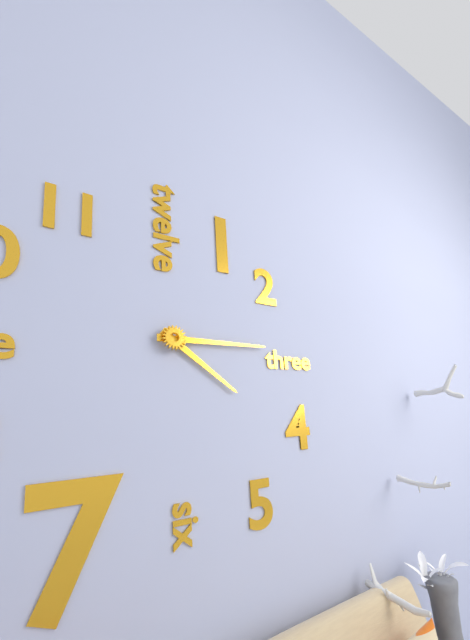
4:15
